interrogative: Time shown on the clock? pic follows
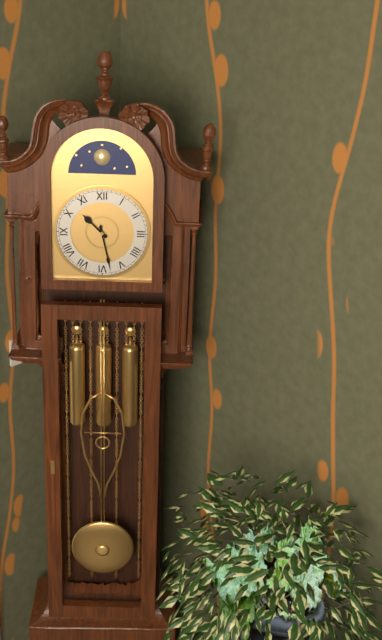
10:28
